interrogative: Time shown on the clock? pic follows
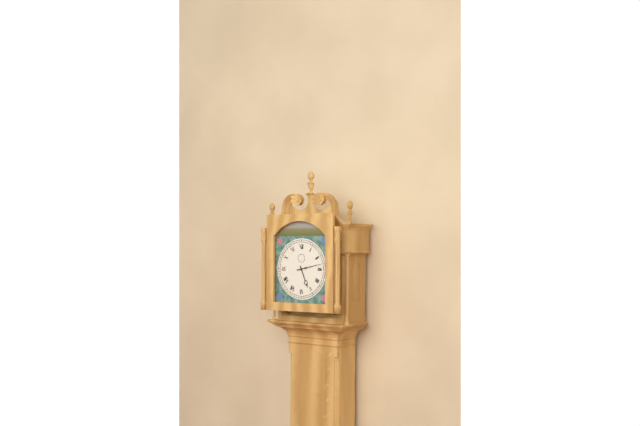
5:13
